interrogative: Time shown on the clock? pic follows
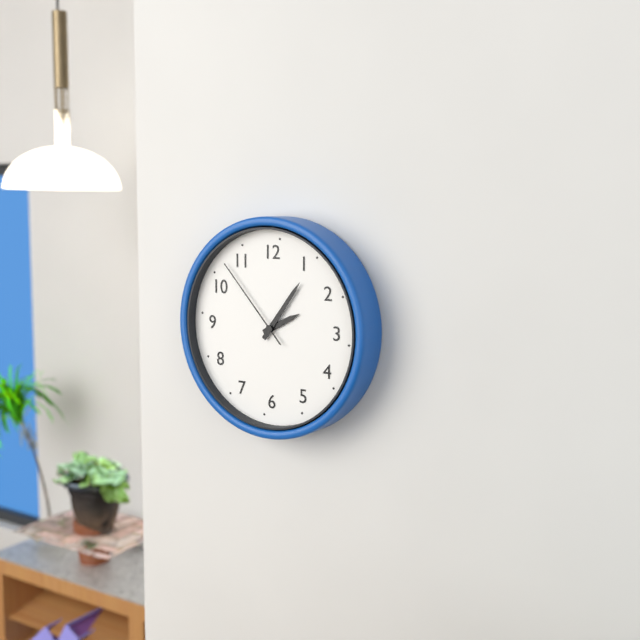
2:06:53
